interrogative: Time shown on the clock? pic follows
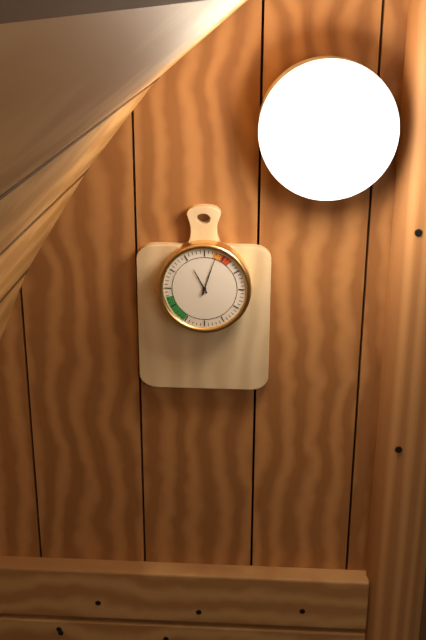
11:03
